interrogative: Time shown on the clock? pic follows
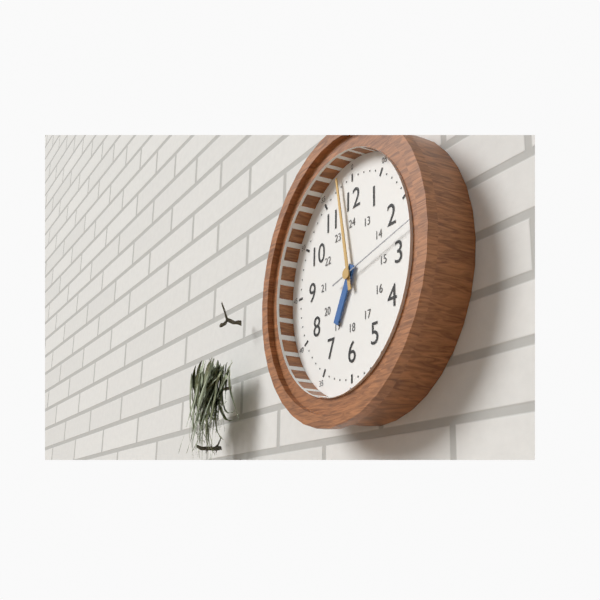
6:58:13
